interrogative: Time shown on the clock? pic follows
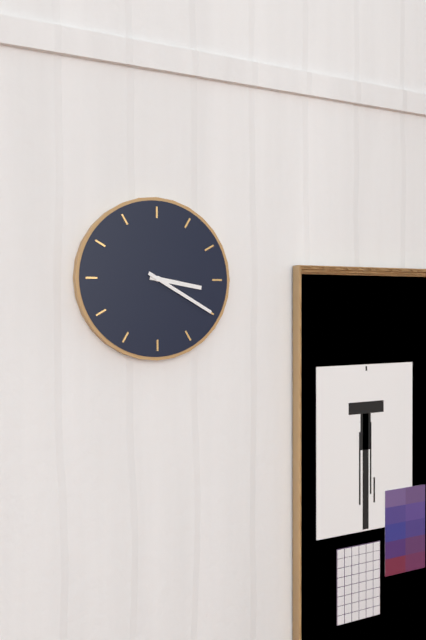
3:20
